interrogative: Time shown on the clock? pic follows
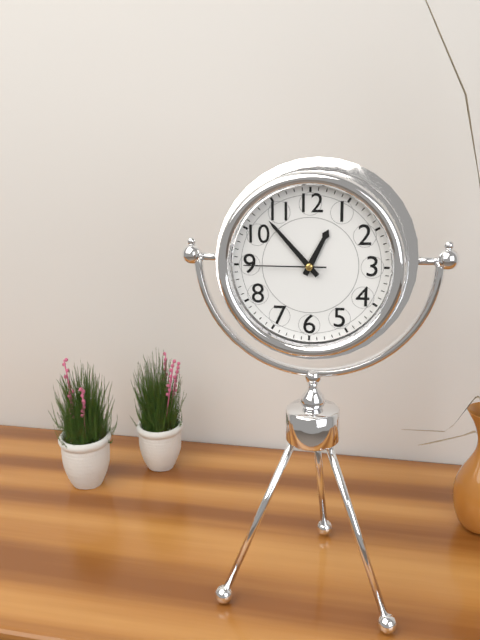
12:53:45
